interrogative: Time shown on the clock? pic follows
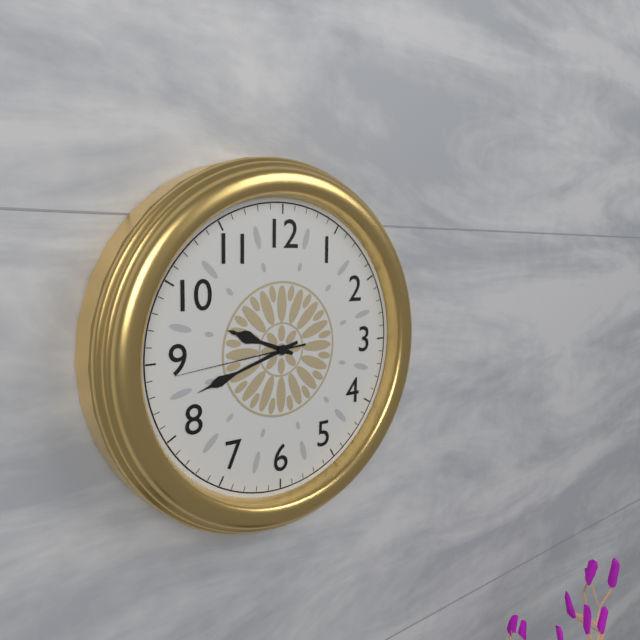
9:42:44
